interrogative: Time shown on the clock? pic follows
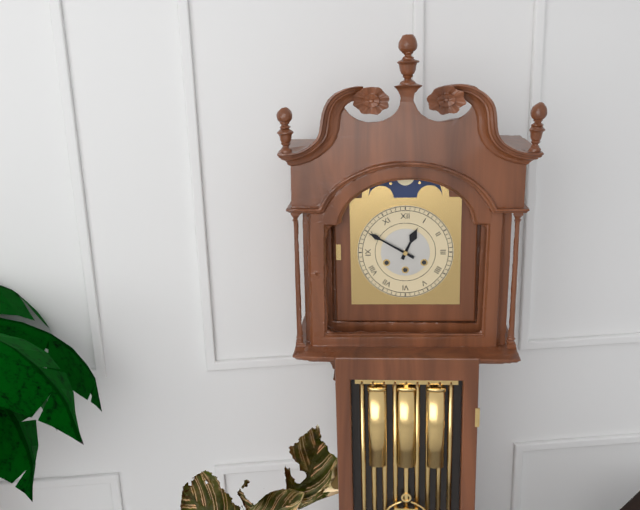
12:50
